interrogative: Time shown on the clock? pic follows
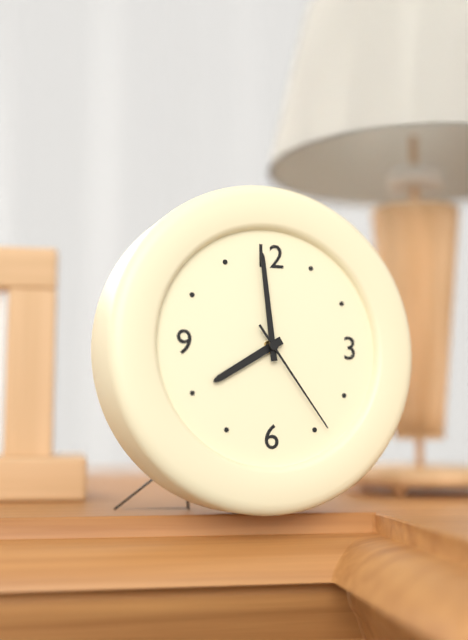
7:59:24
